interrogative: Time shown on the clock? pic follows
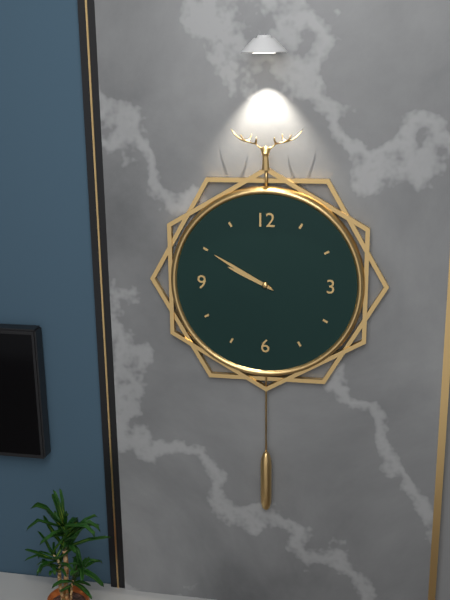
9:50
